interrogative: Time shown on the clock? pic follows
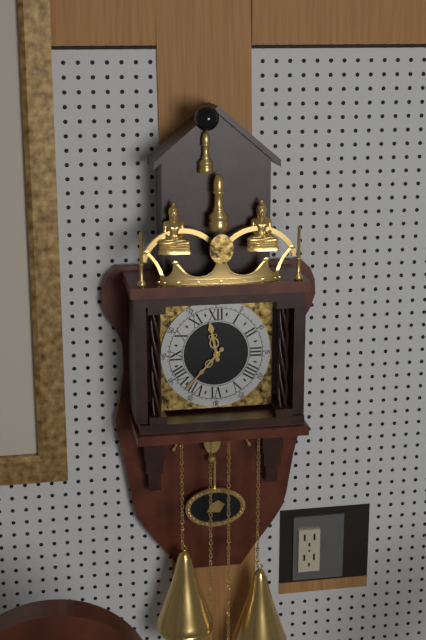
11:37
